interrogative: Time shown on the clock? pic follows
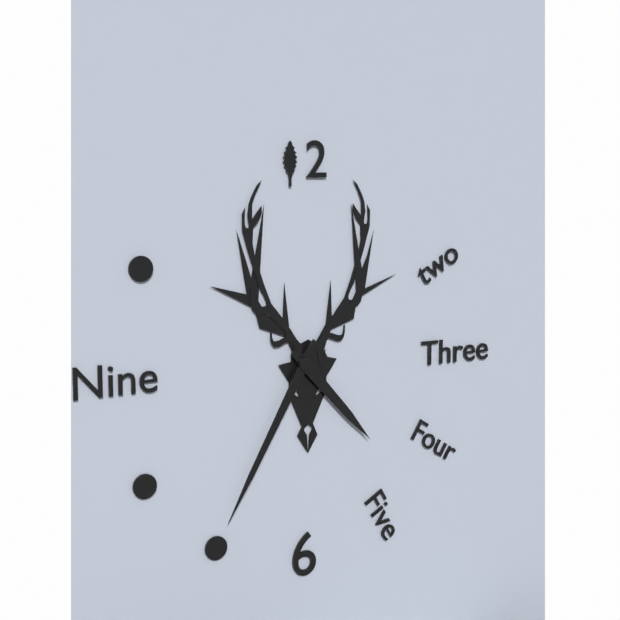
4:35
